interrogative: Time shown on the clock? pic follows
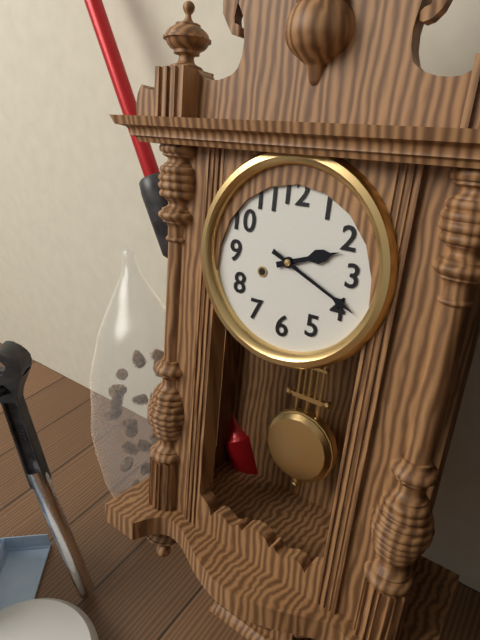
2:19
